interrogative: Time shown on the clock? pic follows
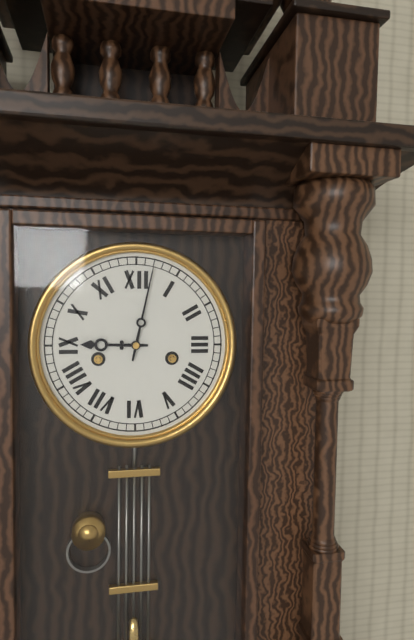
9:02
